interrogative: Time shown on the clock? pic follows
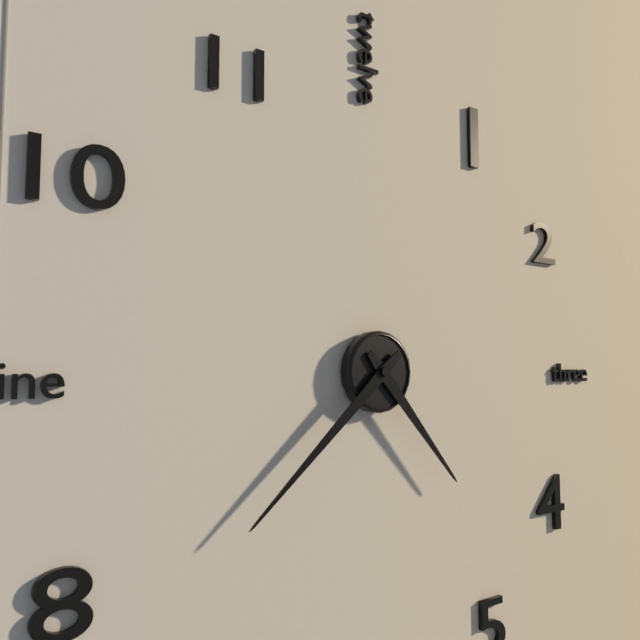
4:38
